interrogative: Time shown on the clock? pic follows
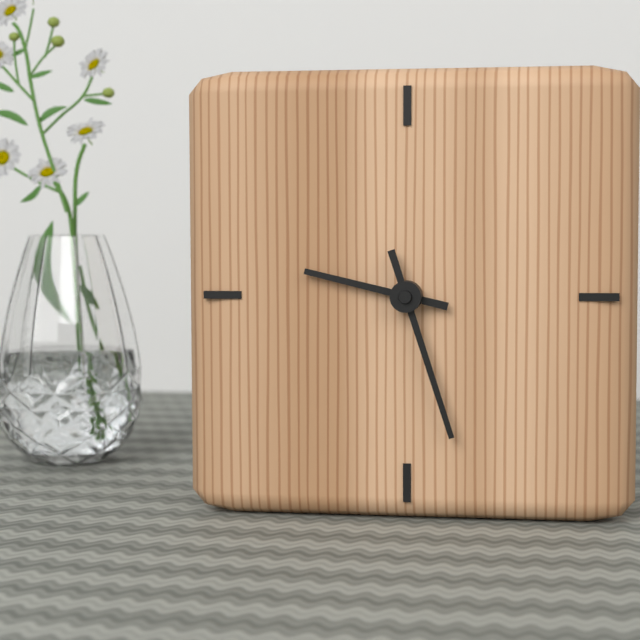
9:27
